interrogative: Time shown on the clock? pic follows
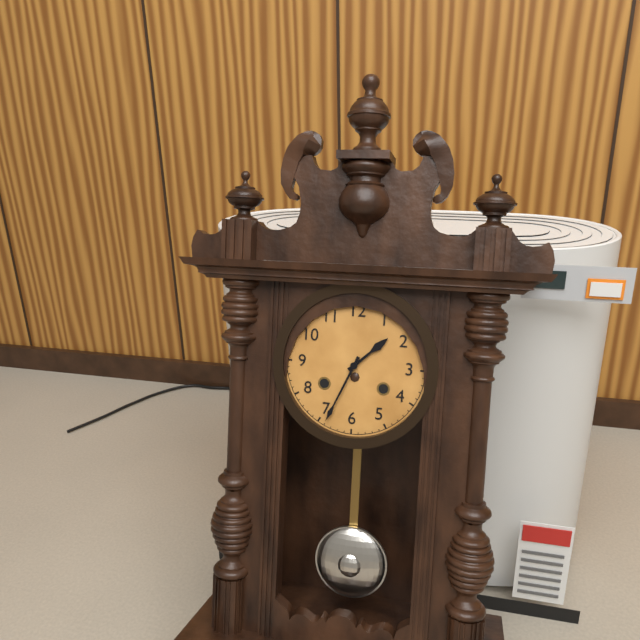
1:34
